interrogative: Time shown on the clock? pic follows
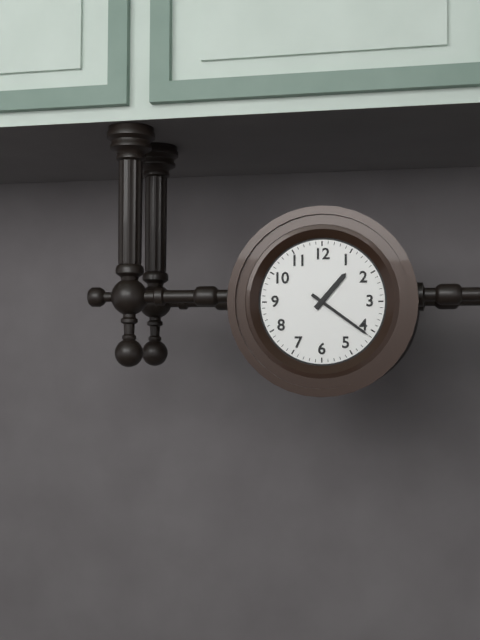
1:21
